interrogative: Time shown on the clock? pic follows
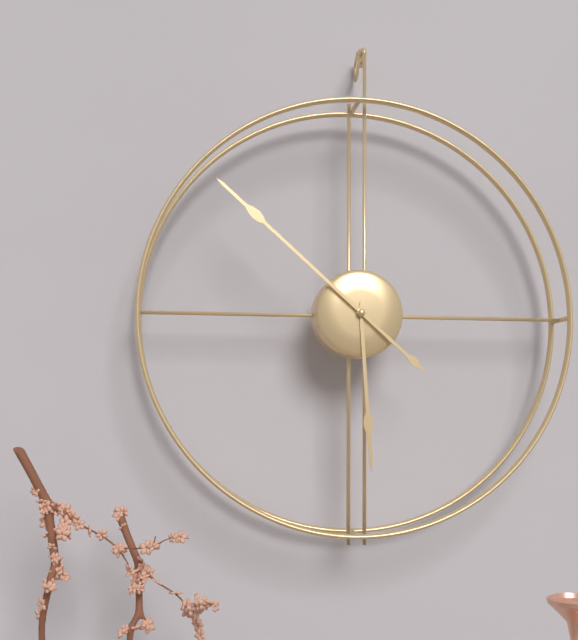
5:52
